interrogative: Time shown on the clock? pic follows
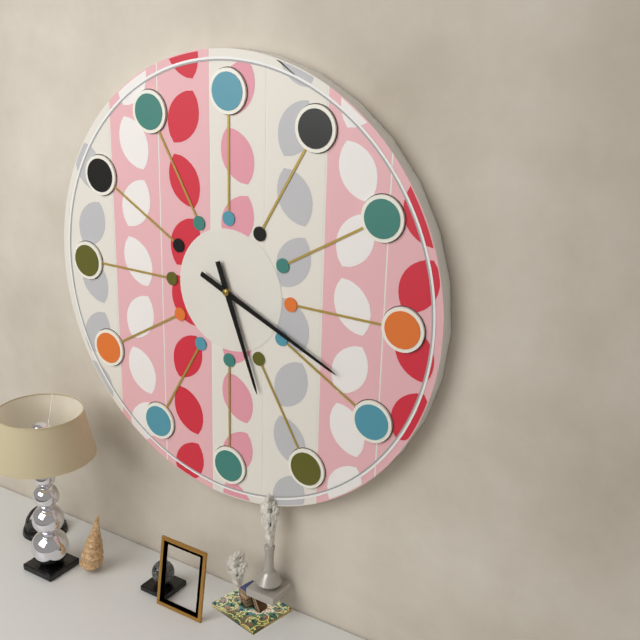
5:19
